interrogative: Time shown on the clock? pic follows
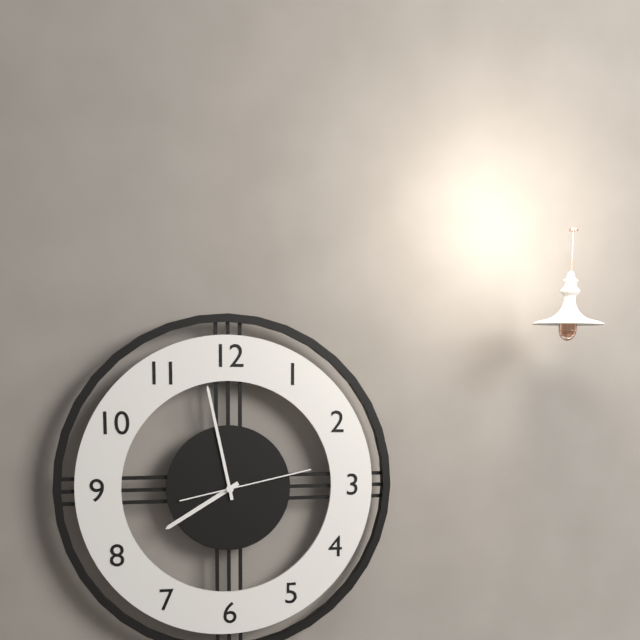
7:58:13
